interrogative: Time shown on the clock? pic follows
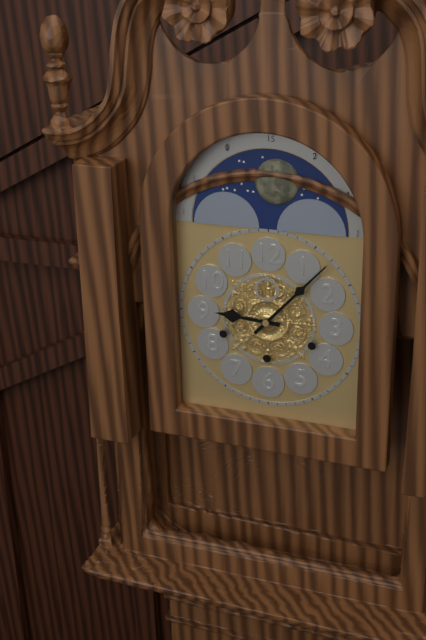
9:07
